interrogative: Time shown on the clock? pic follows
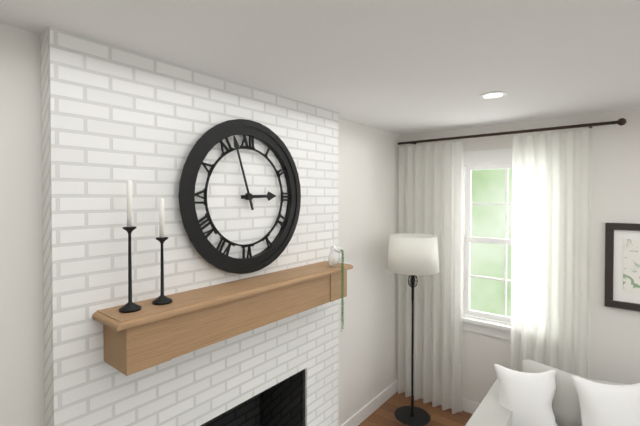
2:57
